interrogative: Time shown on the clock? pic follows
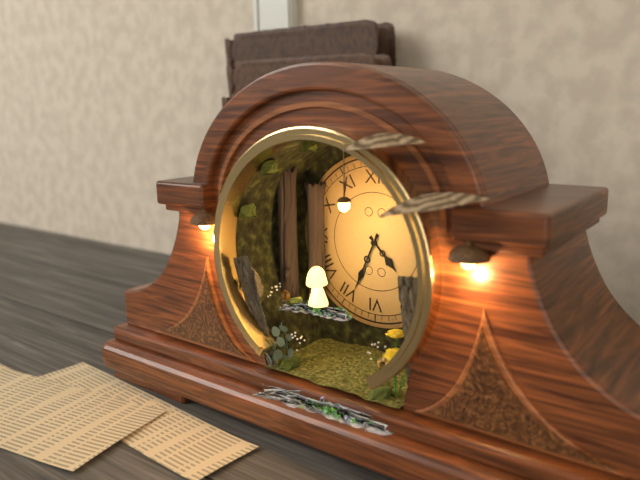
4:34
